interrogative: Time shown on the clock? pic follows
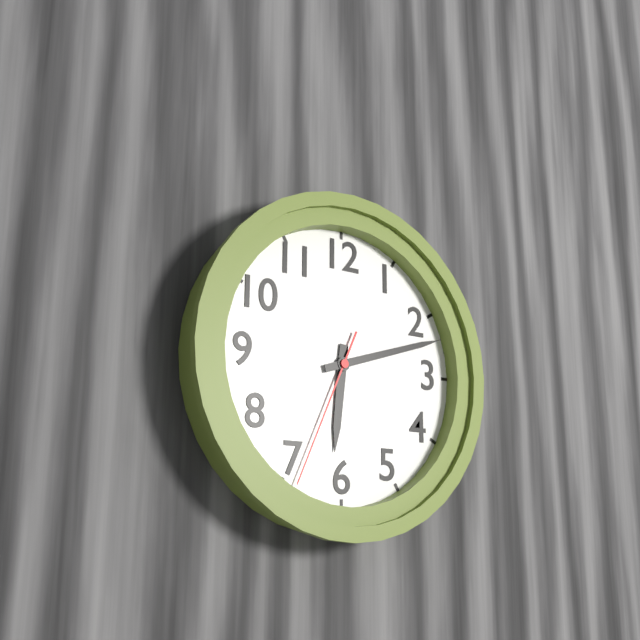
6:12:34
